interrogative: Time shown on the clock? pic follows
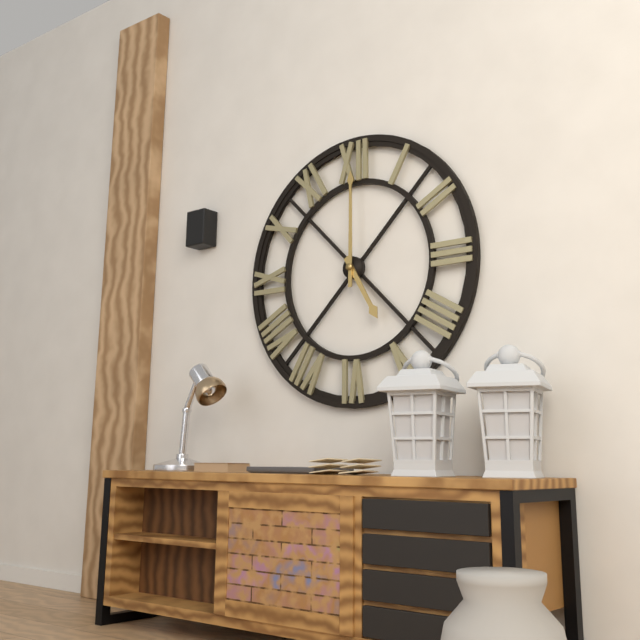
5:00
